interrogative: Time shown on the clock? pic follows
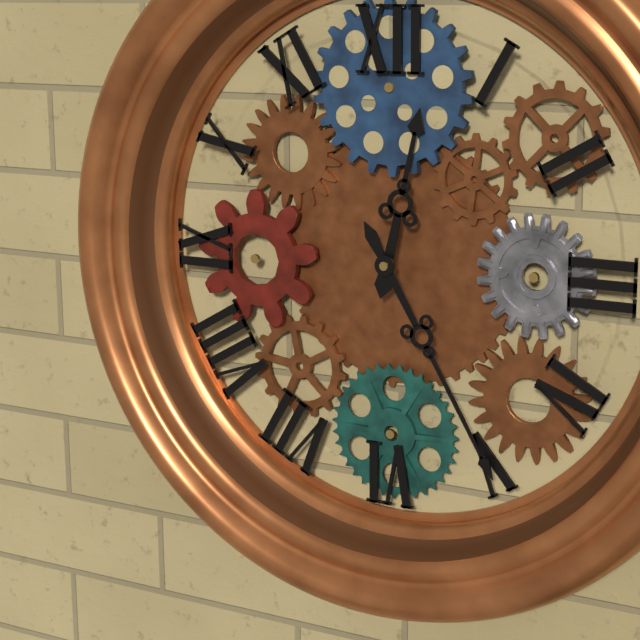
12:25
